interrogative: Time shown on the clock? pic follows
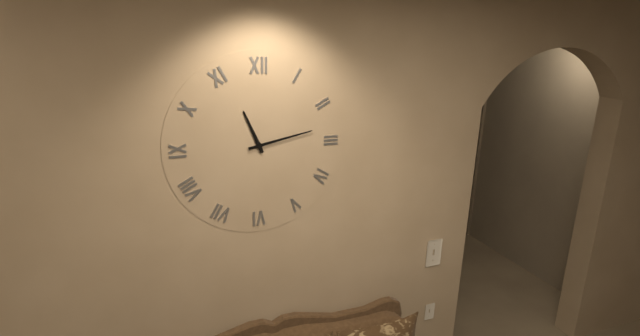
11:13
